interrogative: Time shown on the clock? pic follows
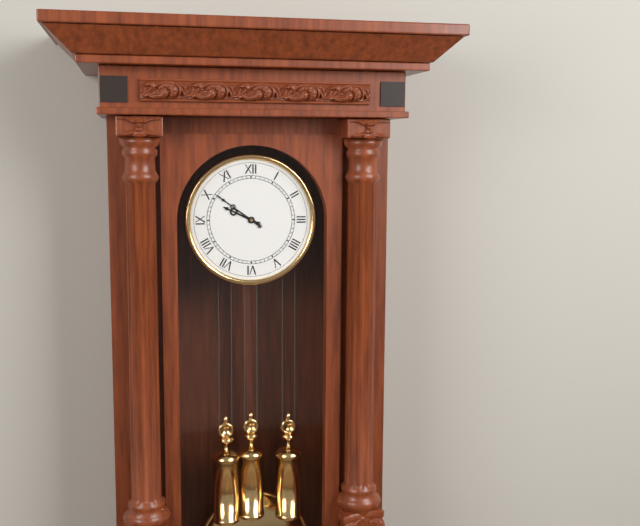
9:51
